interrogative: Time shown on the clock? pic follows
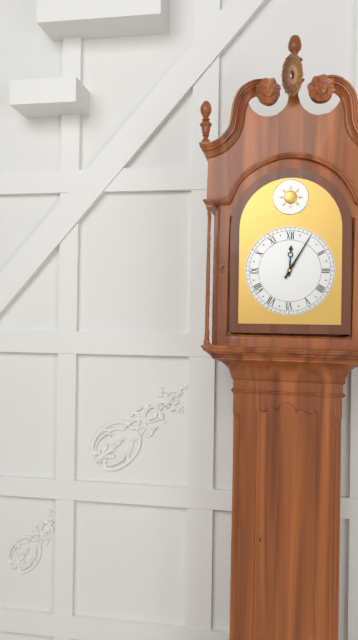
12:05
